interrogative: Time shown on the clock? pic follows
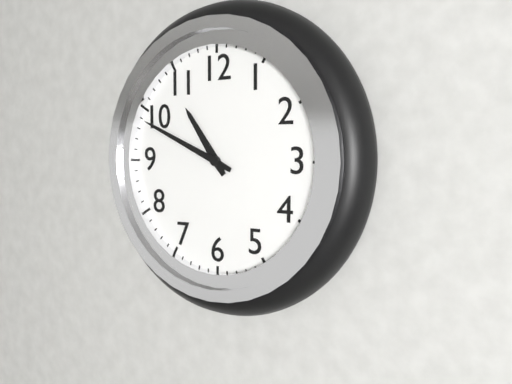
10:49
